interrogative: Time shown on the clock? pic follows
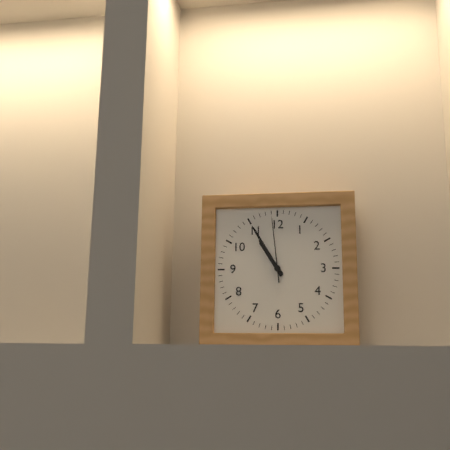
10:55:59
